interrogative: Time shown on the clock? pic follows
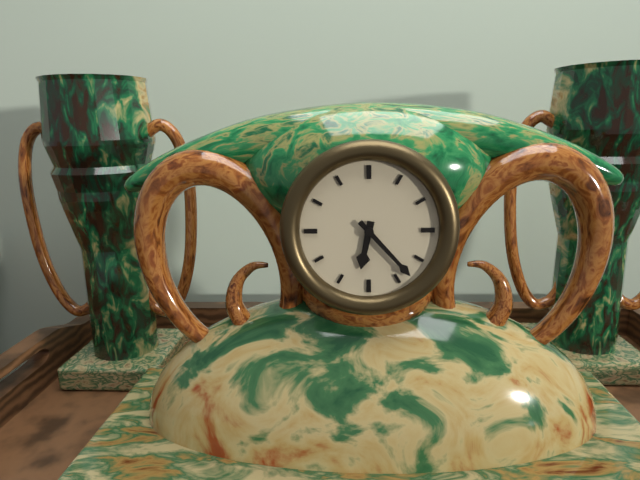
6:23
